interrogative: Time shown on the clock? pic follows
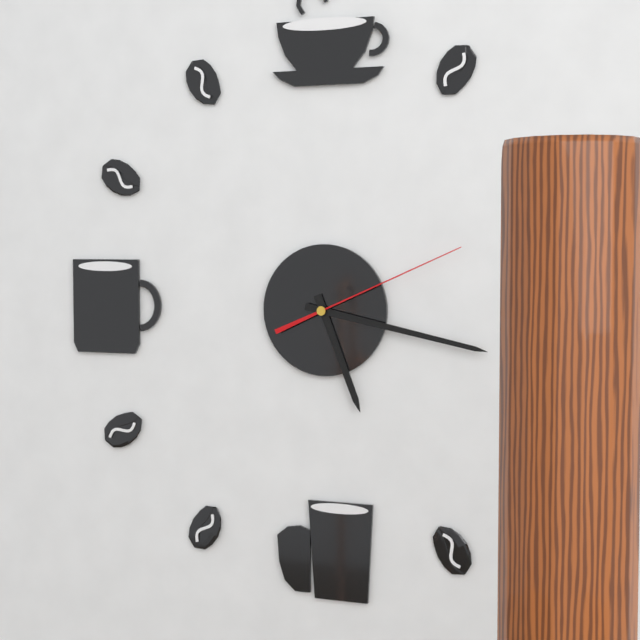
5:17:11
